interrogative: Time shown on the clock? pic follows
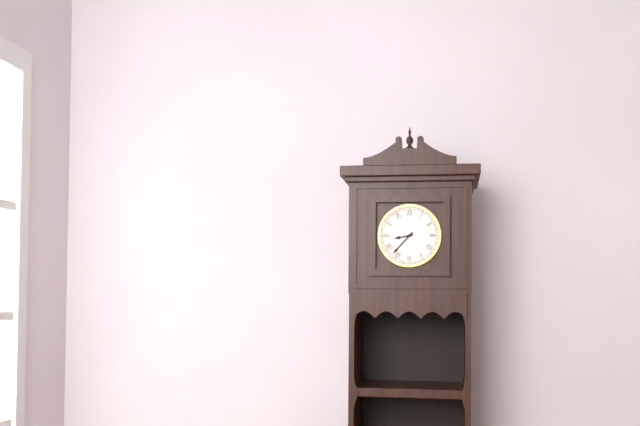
8:37
